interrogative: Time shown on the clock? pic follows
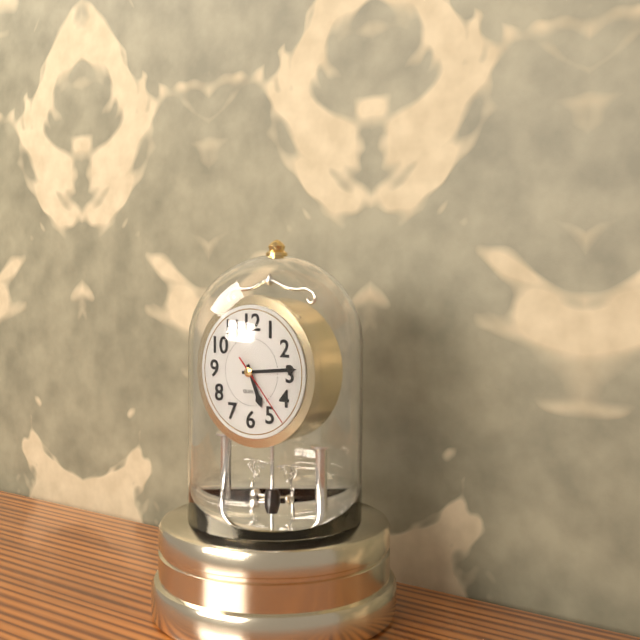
5:14:23
